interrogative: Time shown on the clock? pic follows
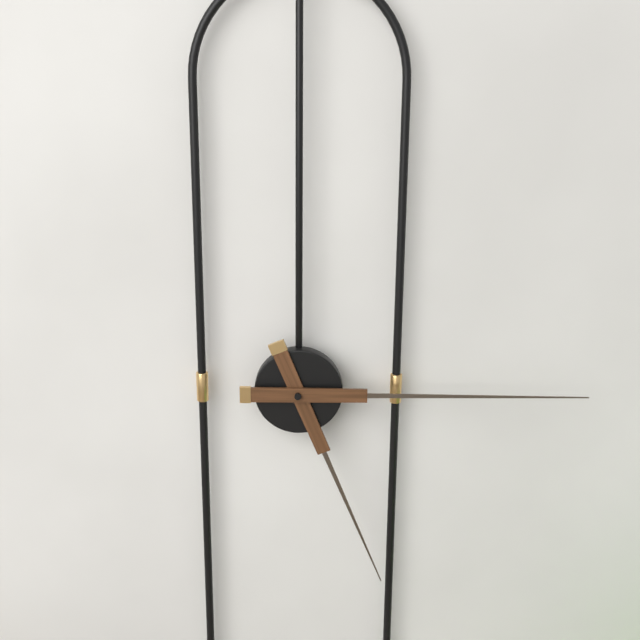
5:15
